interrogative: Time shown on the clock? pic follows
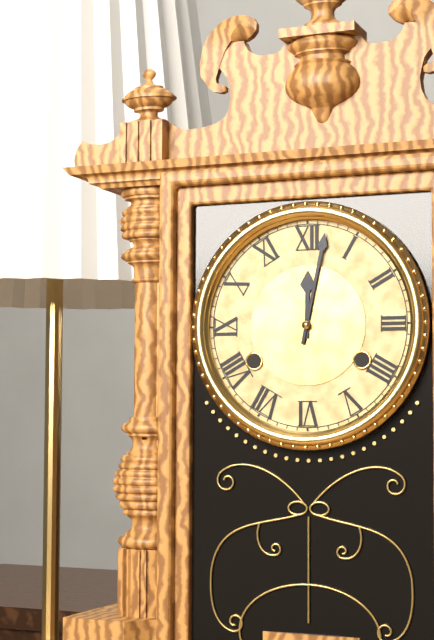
12:02
